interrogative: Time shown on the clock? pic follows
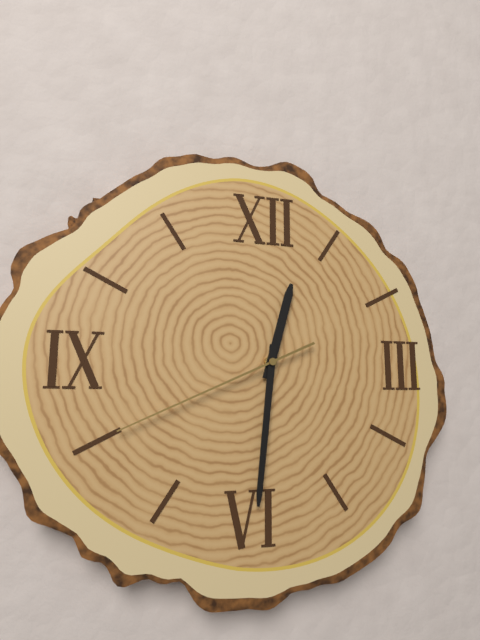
12:31:41
